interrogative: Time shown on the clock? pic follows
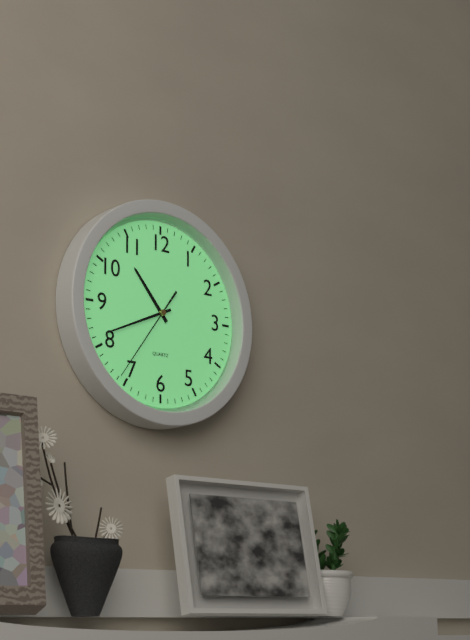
10:41:36
